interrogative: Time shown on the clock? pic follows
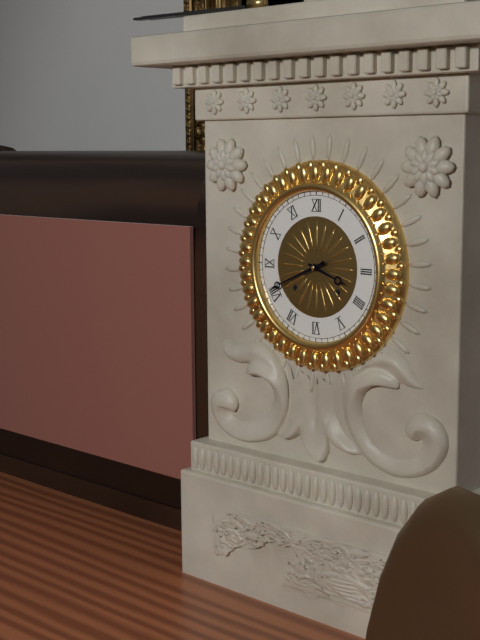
3:41
